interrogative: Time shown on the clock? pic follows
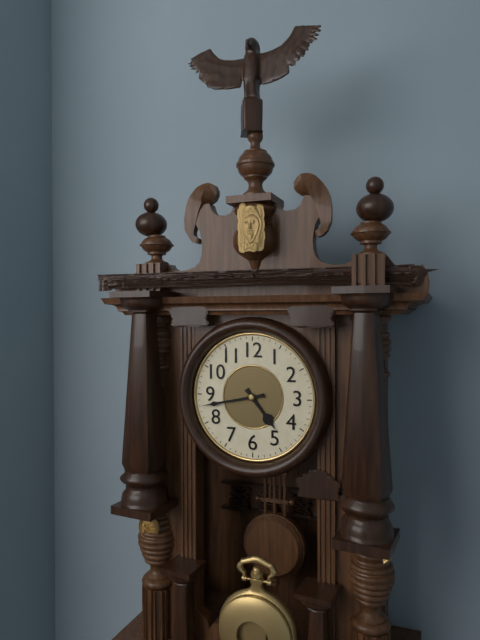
4:43
